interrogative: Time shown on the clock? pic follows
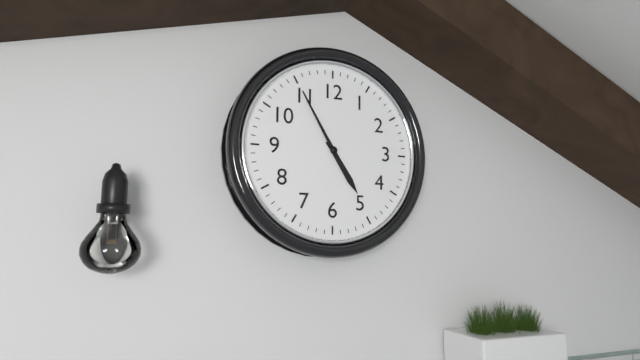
4:55
